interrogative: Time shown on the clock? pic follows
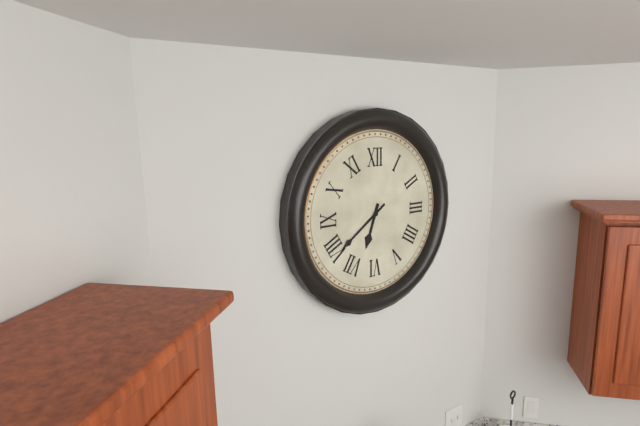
6:39
